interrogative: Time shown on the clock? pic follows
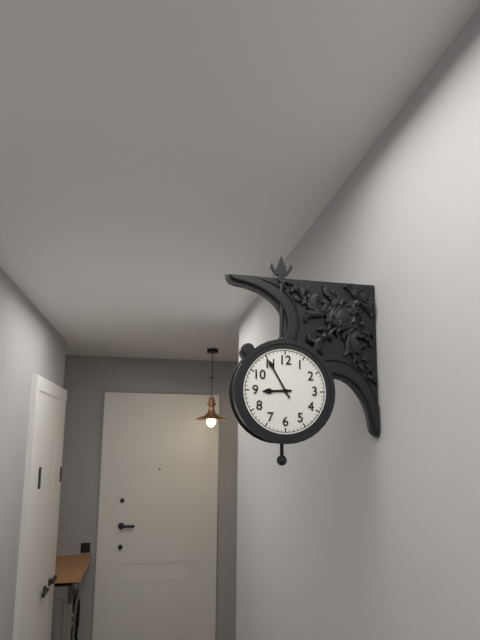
8:55
